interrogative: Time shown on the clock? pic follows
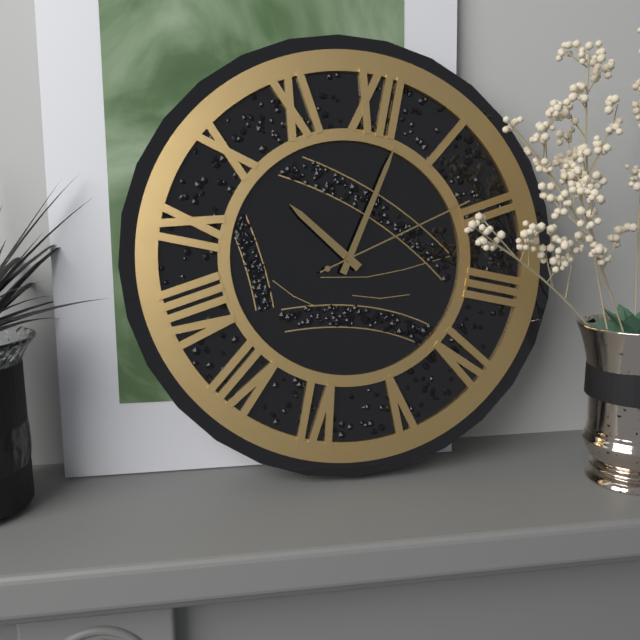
10:02:09
